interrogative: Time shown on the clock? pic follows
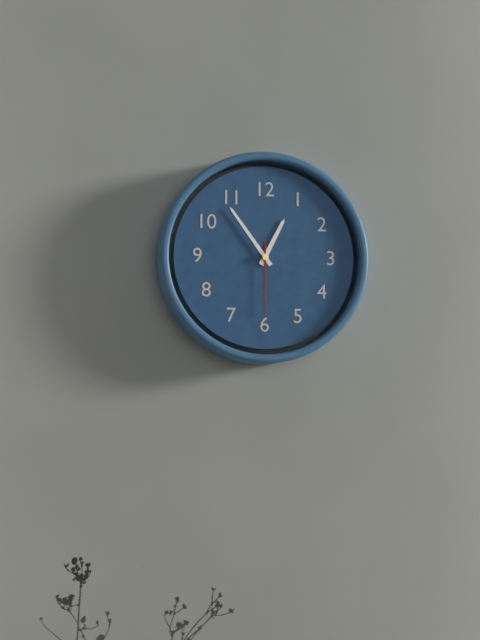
12:54:30
